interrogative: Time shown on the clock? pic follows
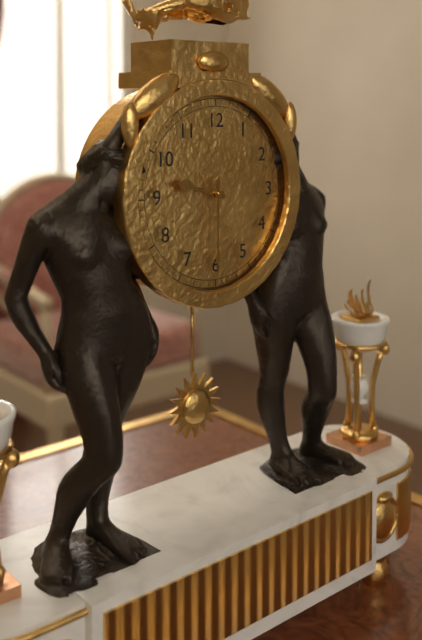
9:30
